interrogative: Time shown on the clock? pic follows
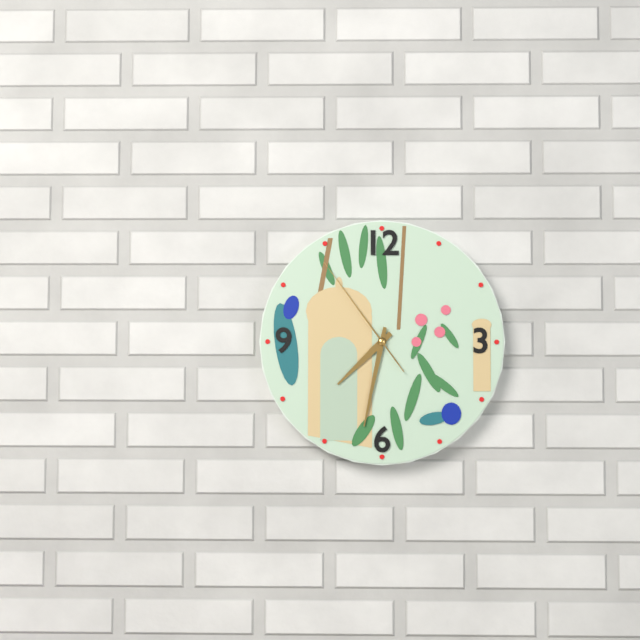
7:32:54
